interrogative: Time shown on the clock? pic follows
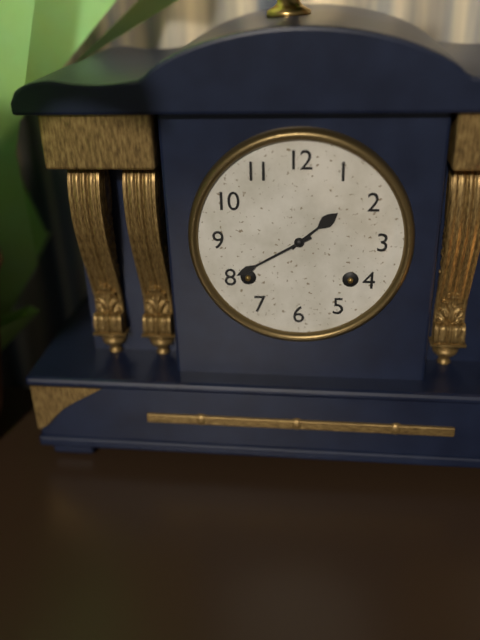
1:40
